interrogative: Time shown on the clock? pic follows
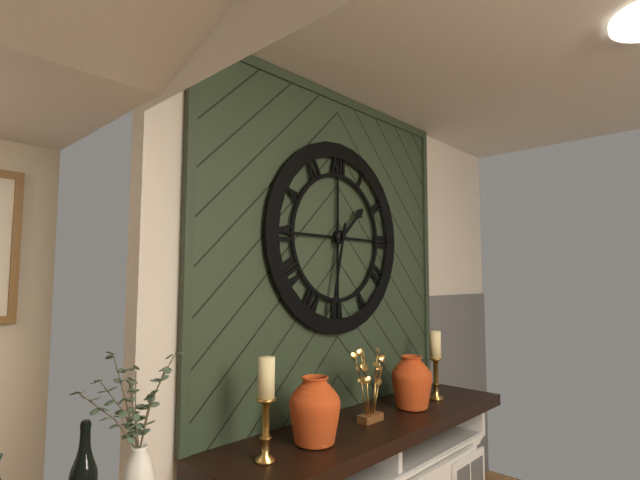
1:32
